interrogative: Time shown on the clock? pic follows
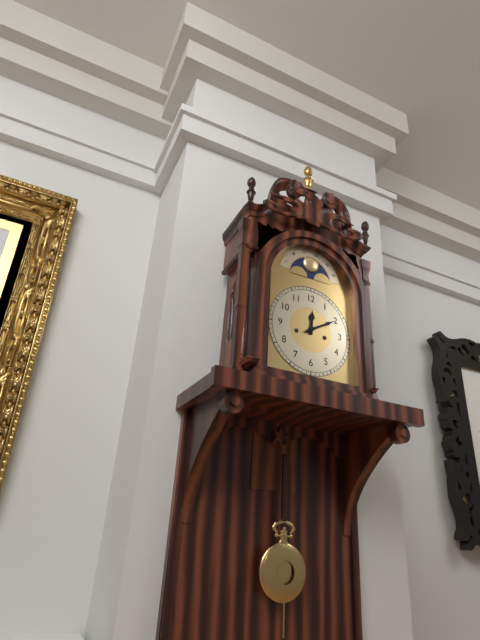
12:10
